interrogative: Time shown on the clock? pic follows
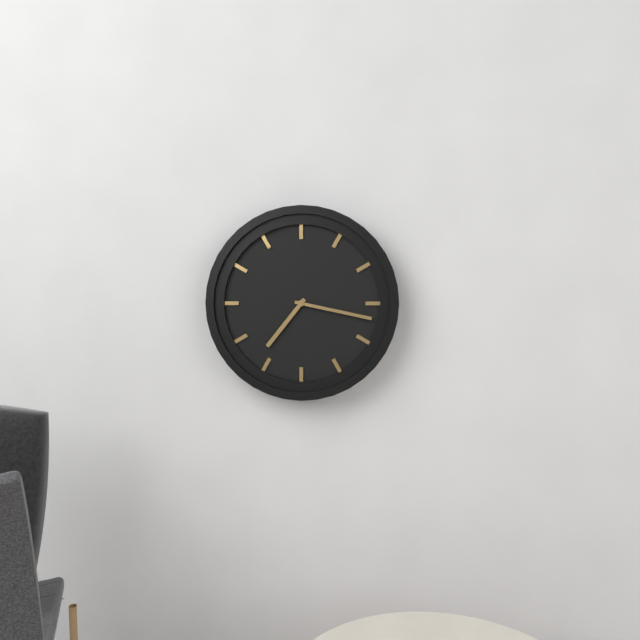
7:17
